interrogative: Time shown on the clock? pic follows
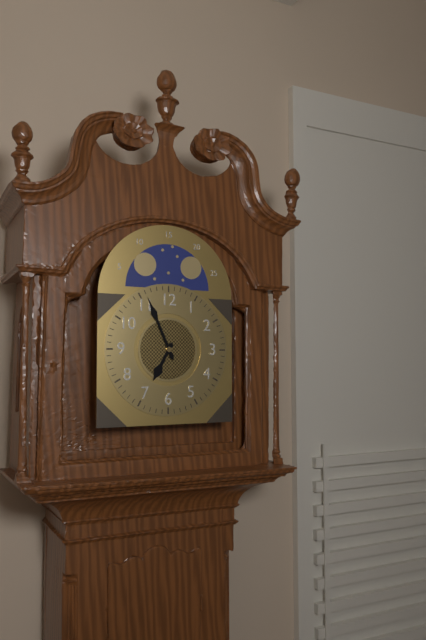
6:56
